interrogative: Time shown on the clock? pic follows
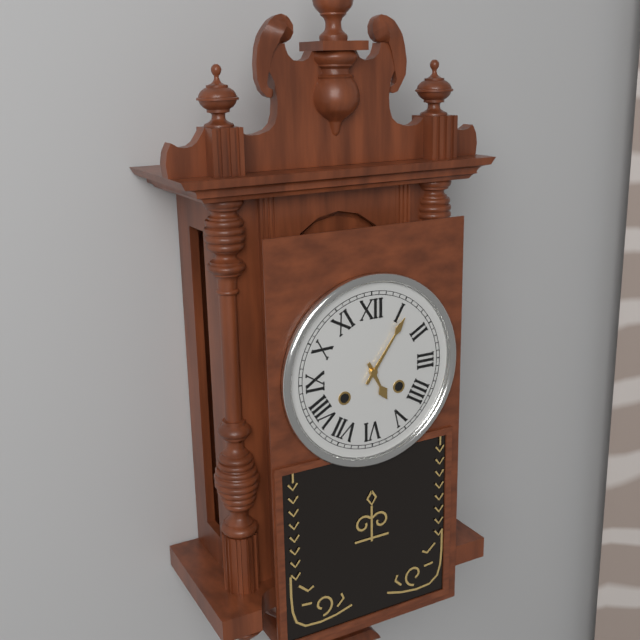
5:06
